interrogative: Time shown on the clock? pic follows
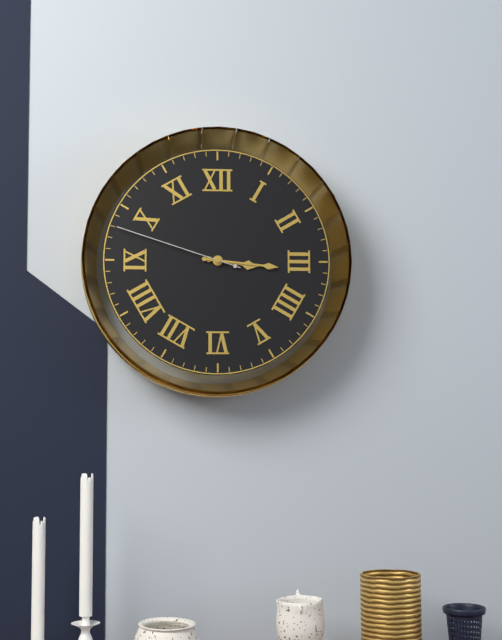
3:16:48
